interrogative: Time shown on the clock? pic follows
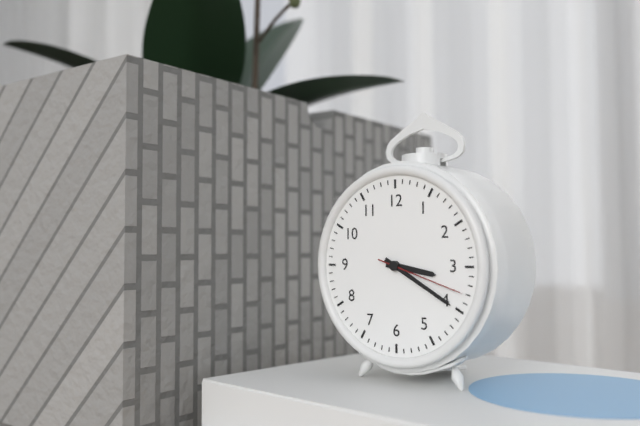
3:20:18
